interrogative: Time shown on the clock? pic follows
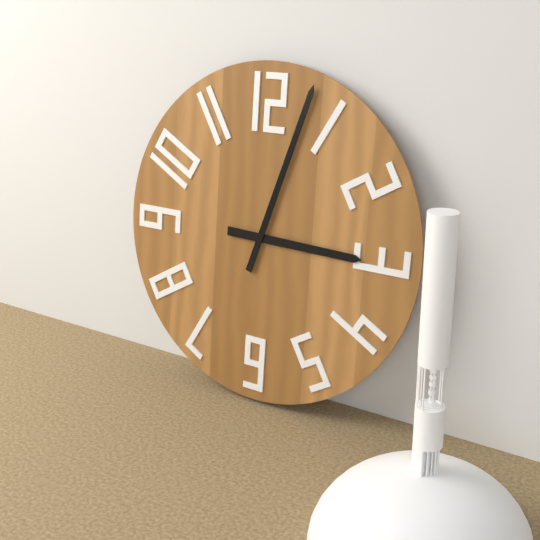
3:03
